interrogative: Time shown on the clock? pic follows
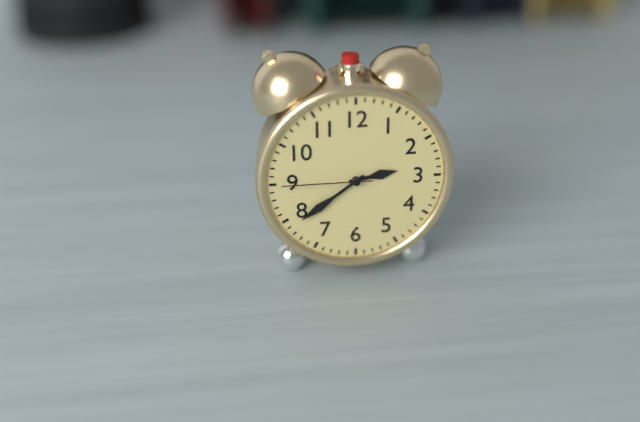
2:39:45
